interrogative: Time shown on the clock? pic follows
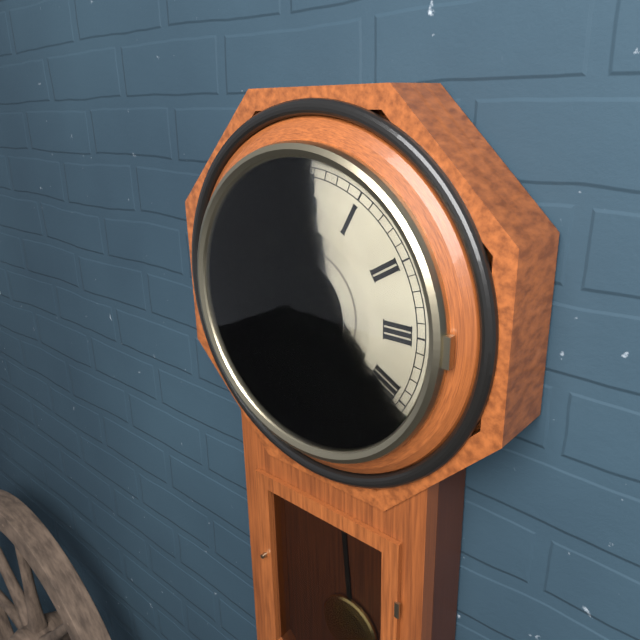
7:50
